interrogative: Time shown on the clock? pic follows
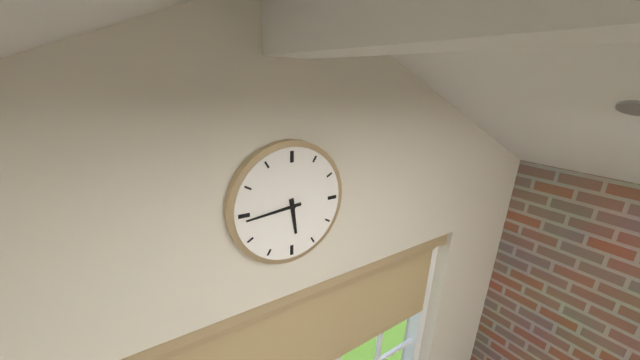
5:44
